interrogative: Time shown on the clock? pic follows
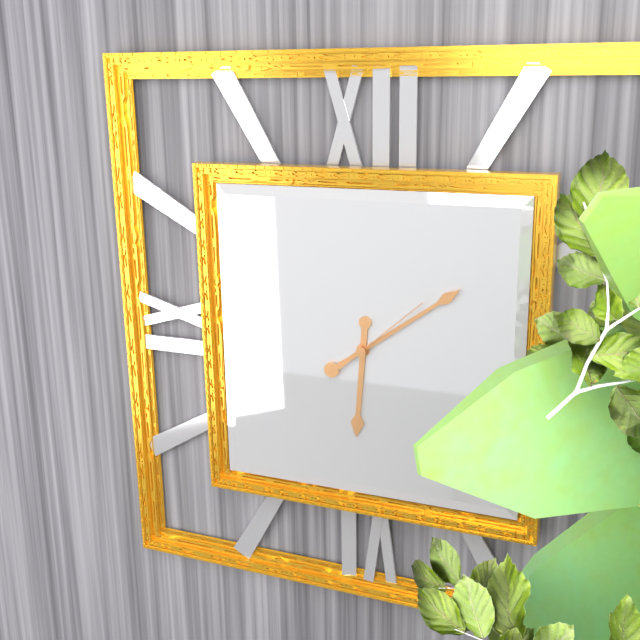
6:09:08
